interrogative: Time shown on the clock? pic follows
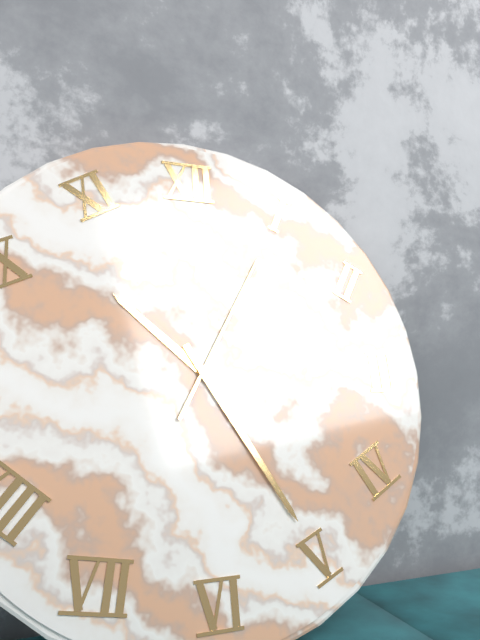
10:25:05
